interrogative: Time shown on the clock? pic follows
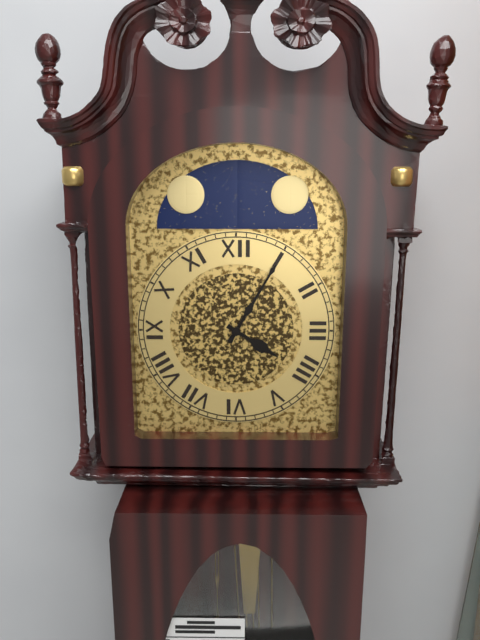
4:05
